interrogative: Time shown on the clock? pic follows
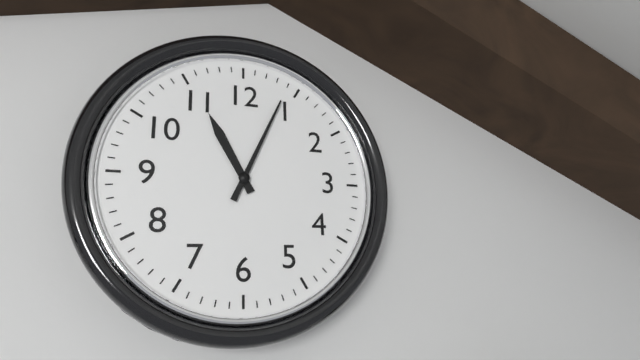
11:04
